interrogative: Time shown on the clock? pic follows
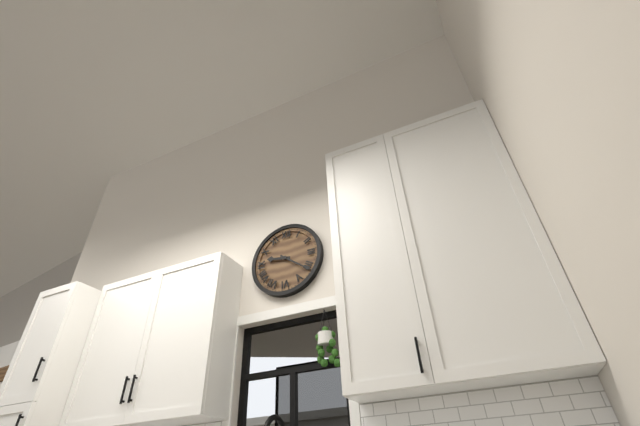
9:21
